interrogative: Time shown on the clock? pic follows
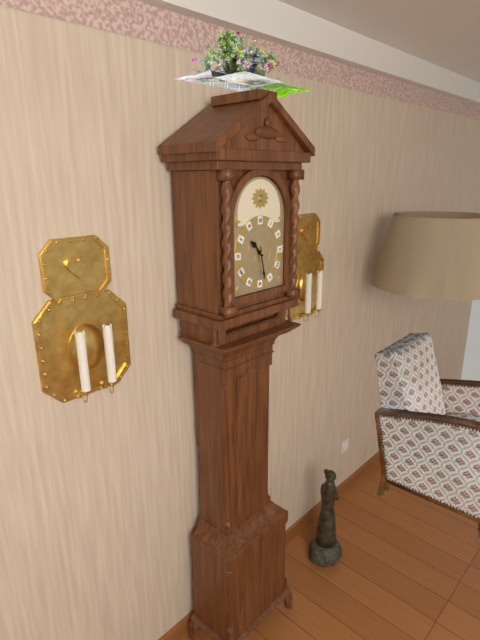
10:28
